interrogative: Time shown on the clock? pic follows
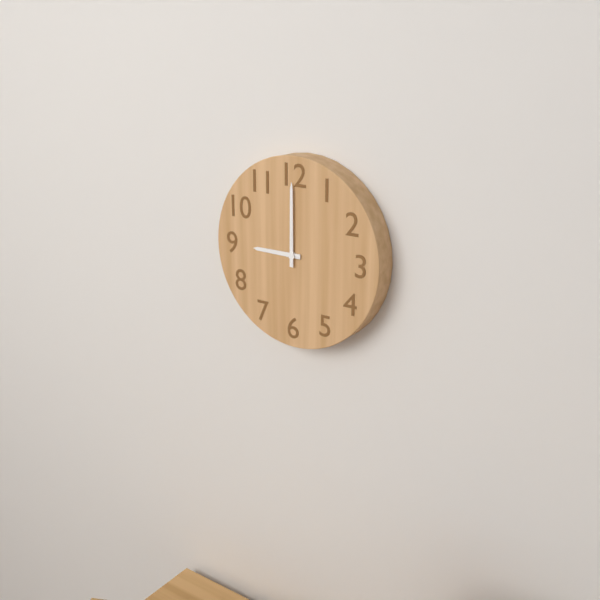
9:00
